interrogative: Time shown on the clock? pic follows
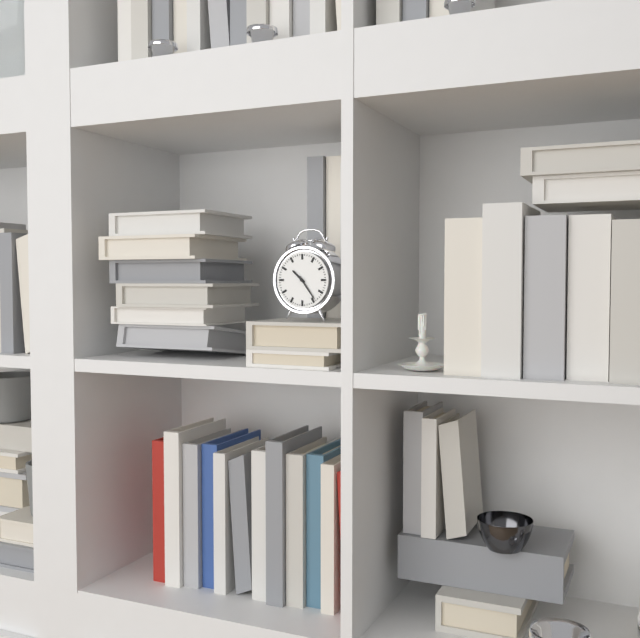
10:24
